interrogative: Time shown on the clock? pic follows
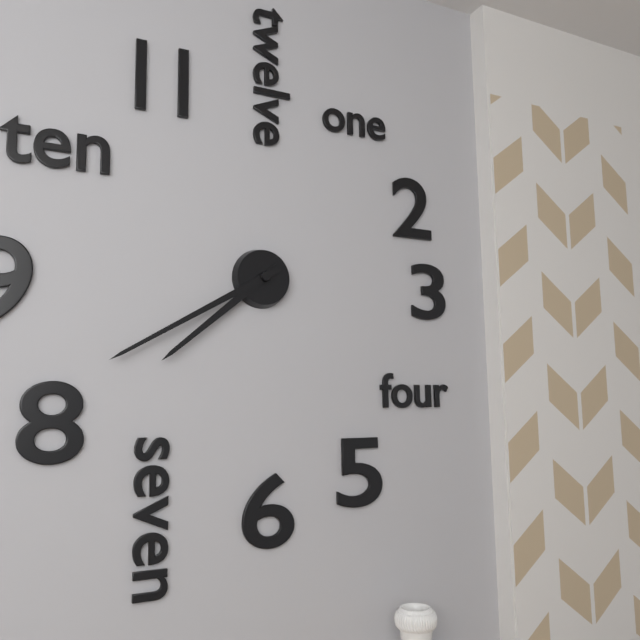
7:40
